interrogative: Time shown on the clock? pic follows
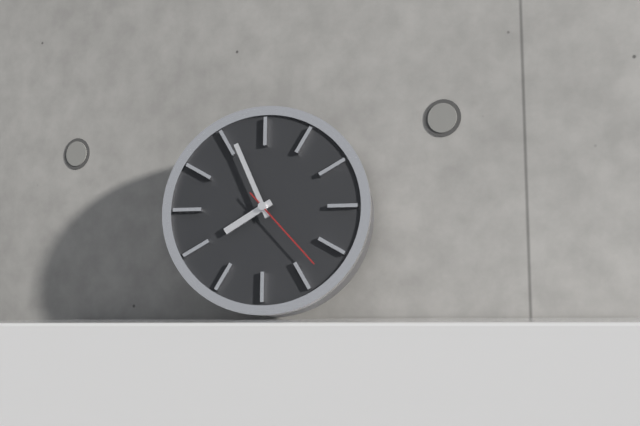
7:56:23
